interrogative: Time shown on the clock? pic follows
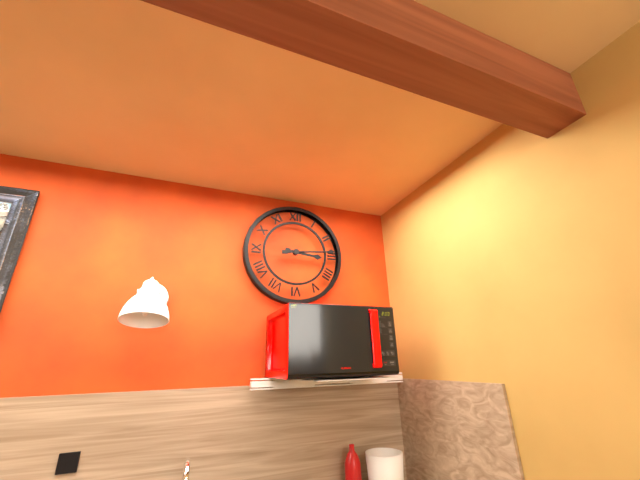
3:14
